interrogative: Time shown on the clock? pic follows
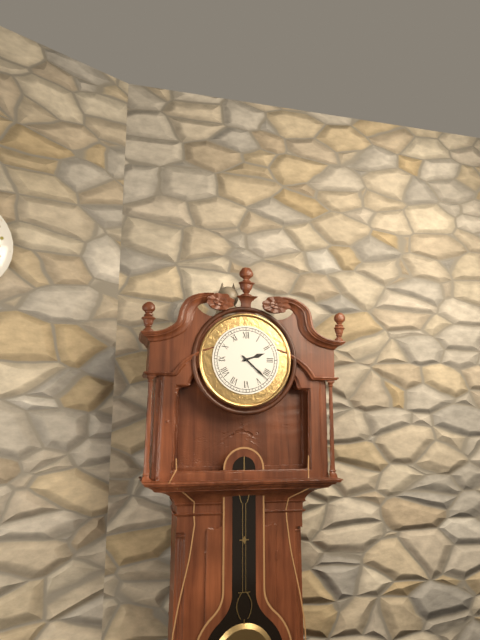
2:22
